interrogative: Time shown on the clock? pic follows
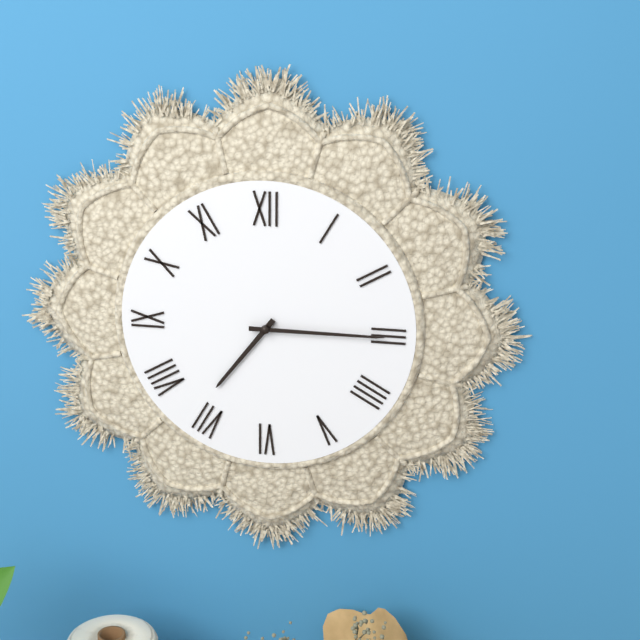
7:15
